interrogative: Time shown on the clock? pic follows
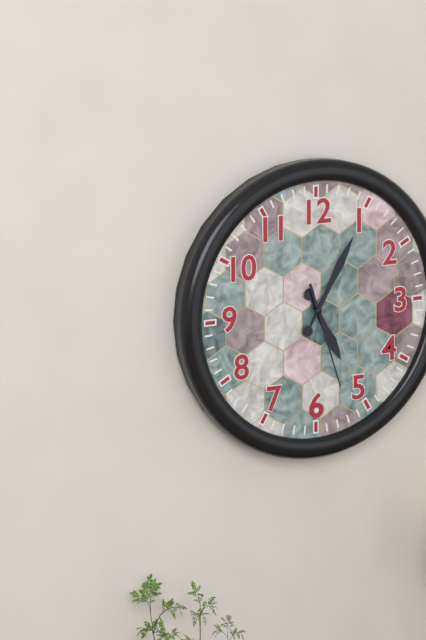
5:05:27
